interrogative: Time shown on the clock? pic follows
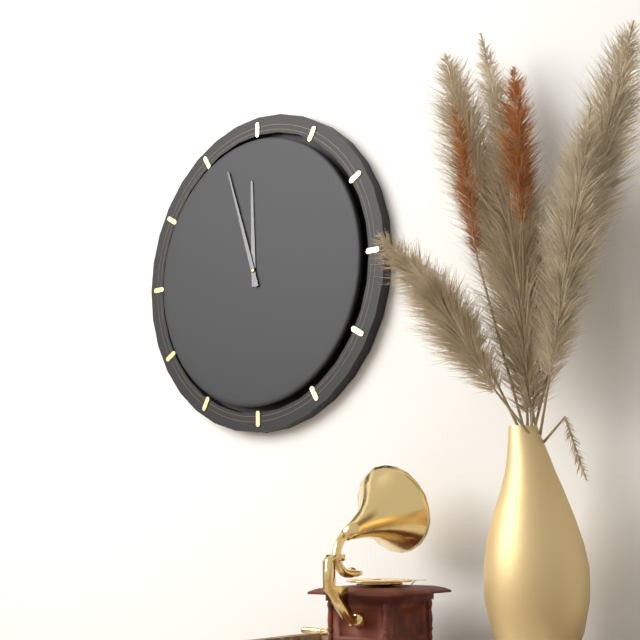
11:57
